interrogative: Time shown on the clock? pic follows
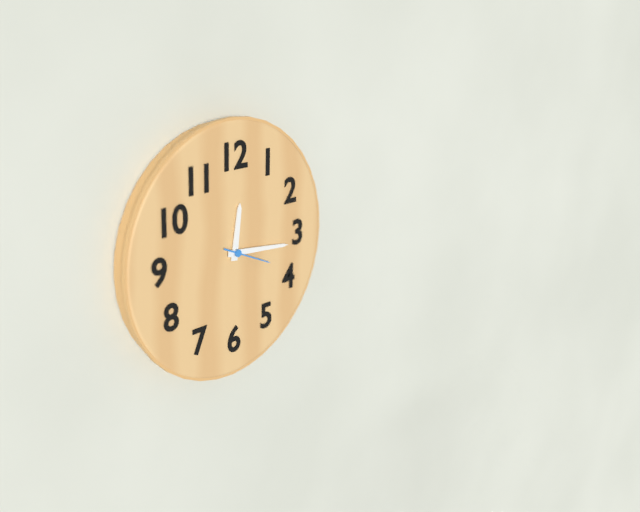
12:16
